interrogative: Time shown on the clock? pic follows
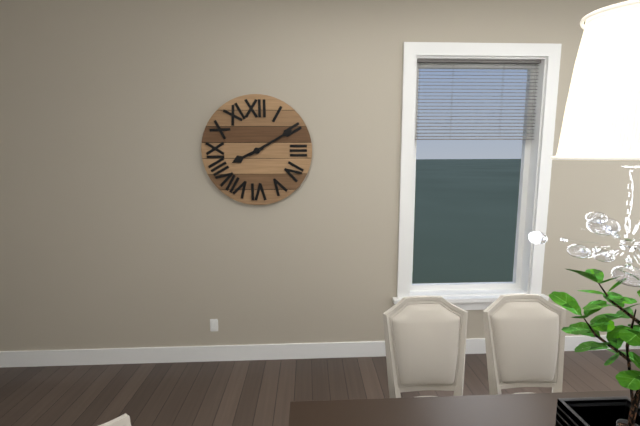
8:10
